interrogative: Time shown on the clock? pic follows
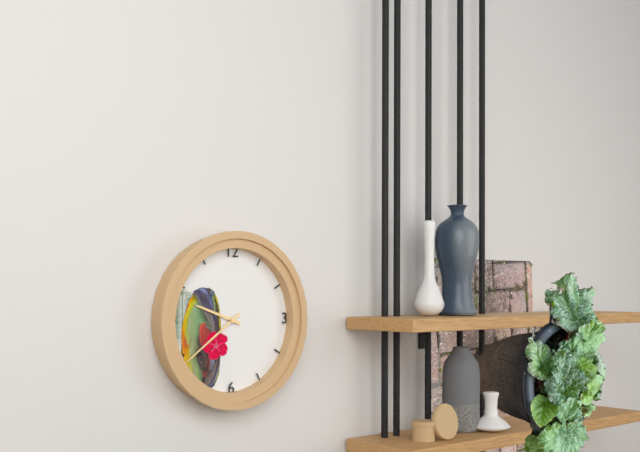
9:39
